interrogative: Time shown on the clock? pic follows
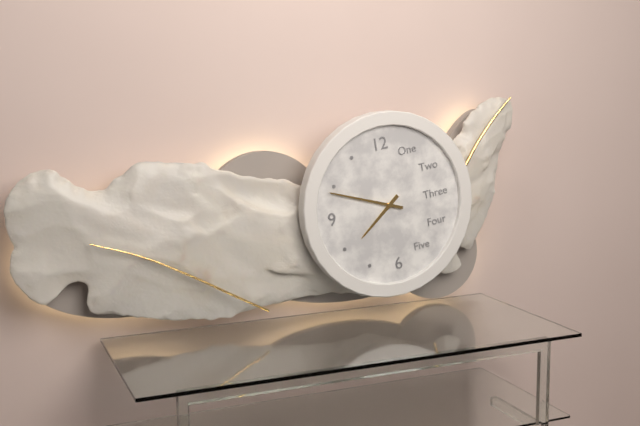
7:49
